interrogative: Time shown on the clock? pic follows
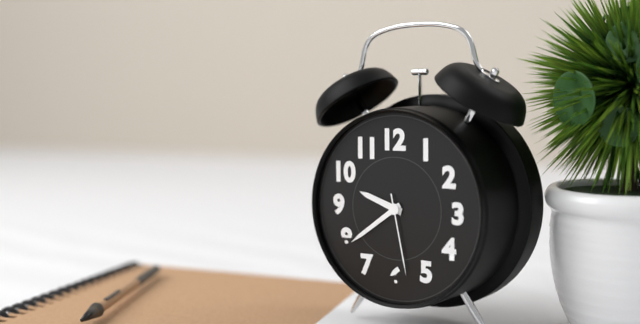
9:39:28
